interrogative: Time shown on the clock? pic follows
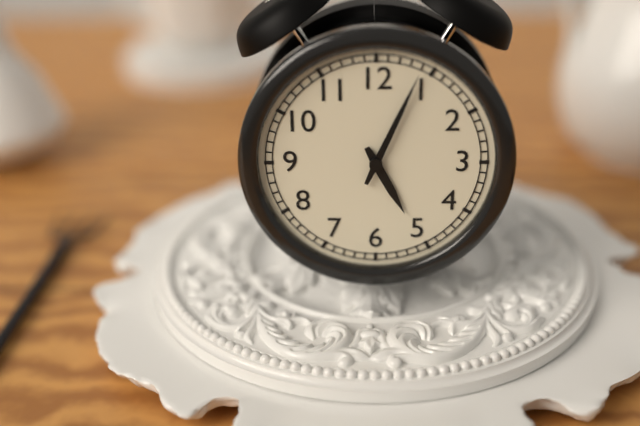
5:04
